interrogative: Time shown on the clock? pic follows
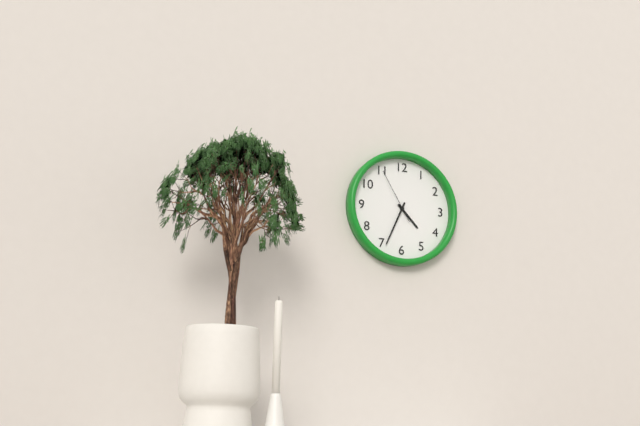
4:34:55
